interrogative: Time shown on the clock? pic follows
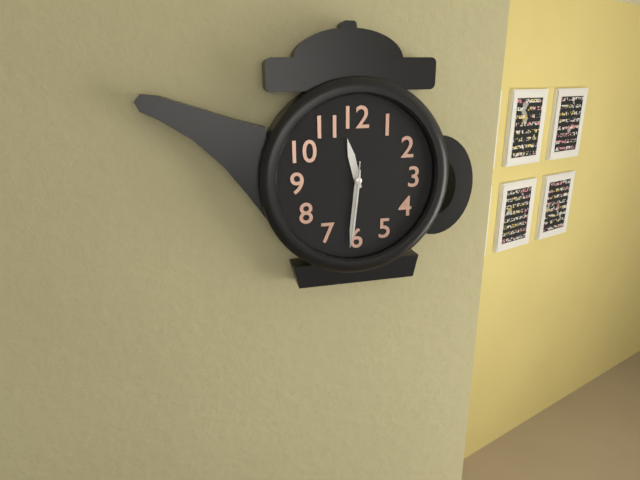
11:31:31
